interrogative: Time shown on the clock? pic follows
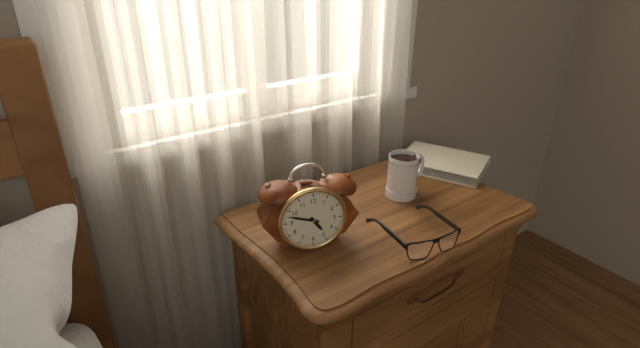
4:48
